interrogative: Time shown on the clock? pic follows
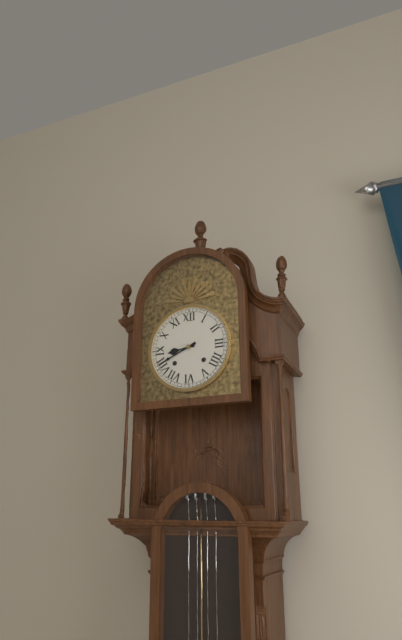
8:41
